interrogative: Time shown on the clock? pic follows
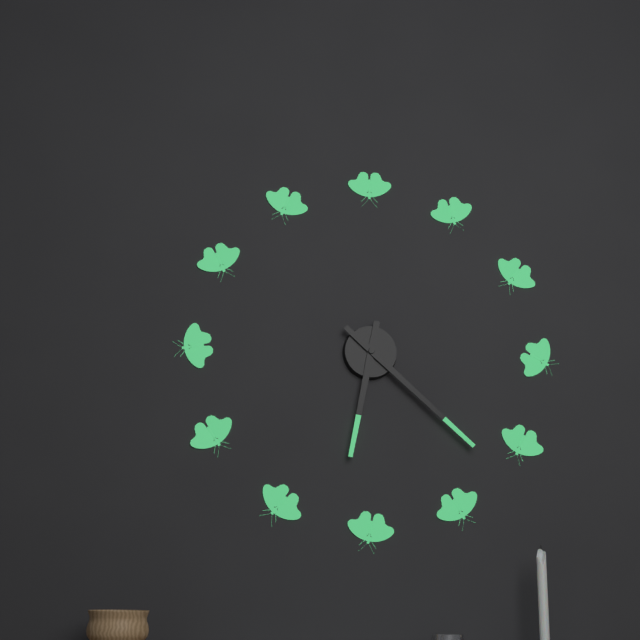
6:22
